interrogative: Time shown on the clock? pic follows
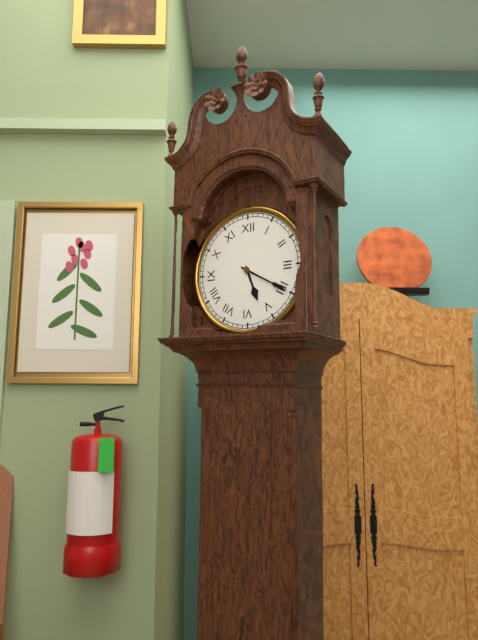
5:20
